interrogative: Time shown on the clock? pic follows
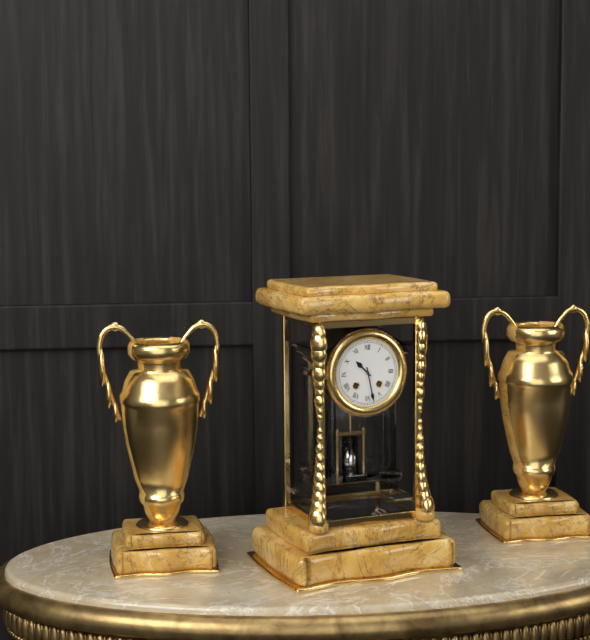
10:28
